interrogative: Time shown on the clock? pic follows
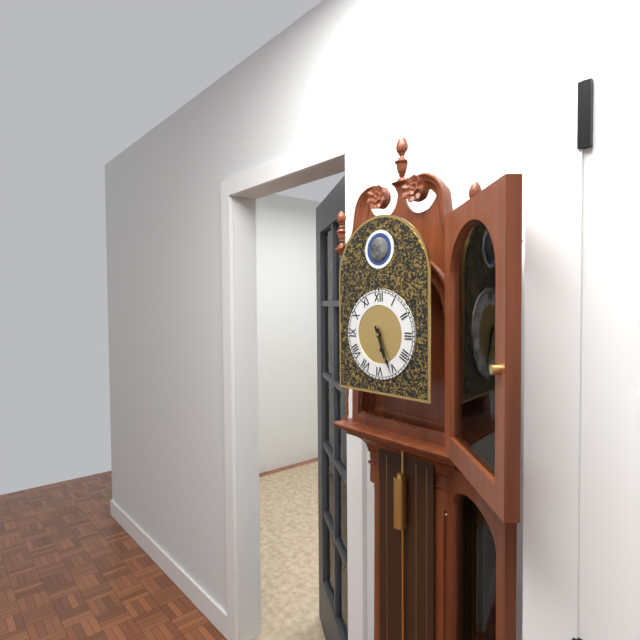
5:26
